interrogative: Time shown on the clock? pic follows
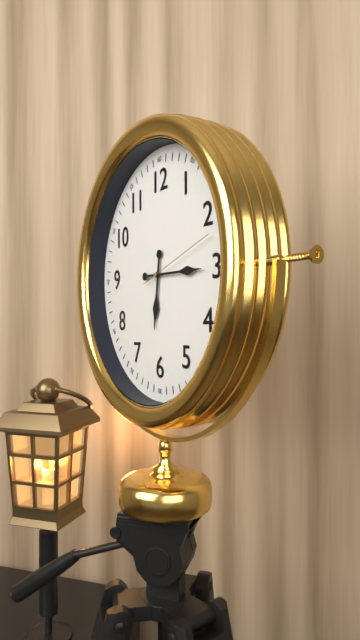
6:15:12
